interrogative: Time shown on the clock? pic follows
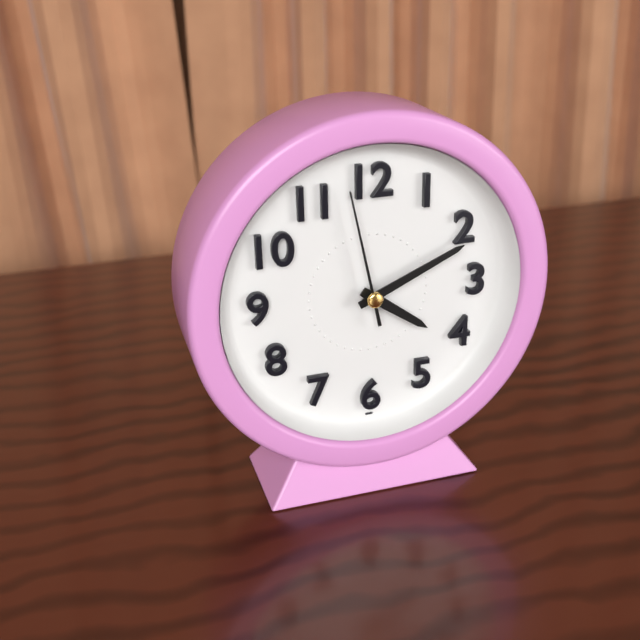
4:11:58
